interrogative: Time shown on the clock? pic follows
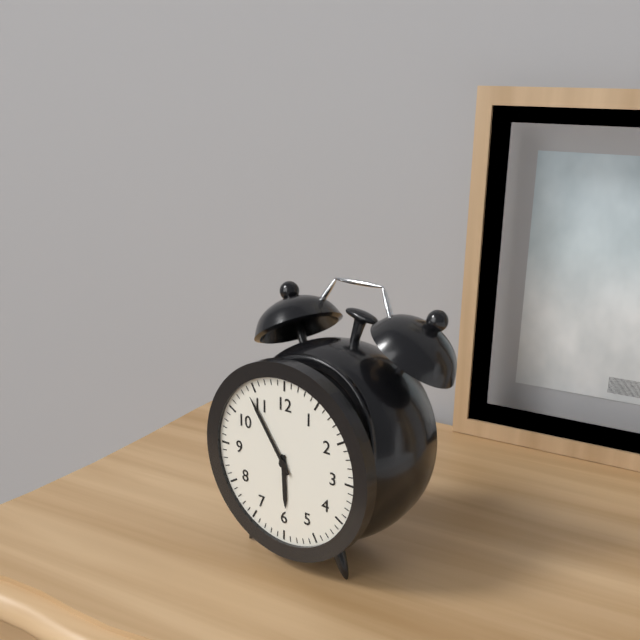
5:54
